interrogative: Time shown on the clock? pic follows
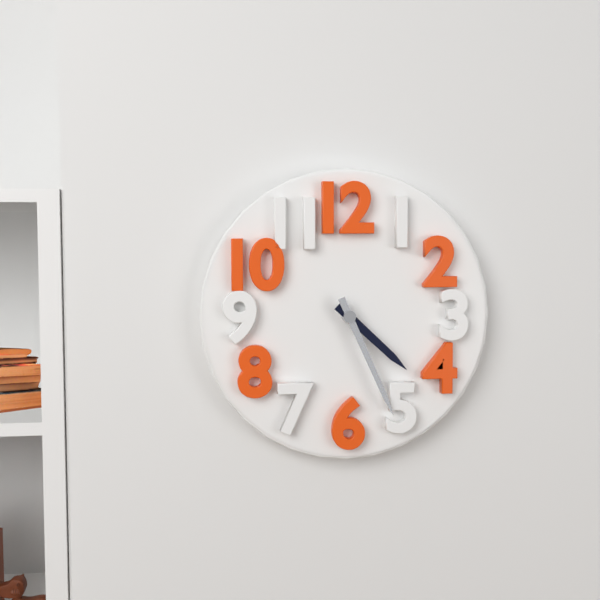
4:26
